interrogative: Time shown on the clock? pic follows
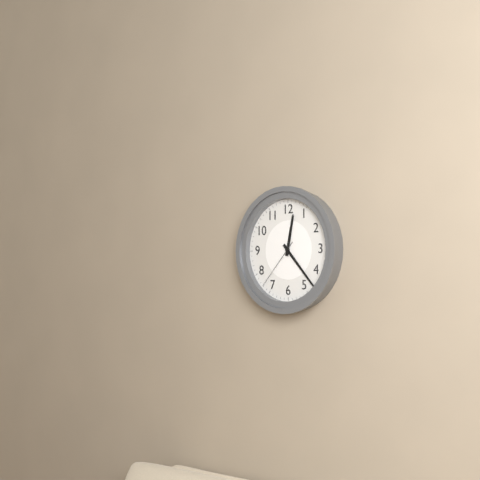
12:23:37
